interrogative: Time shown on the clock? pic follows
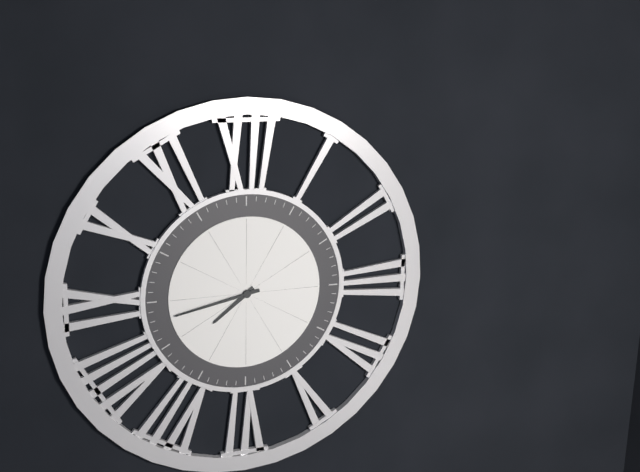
7:43
